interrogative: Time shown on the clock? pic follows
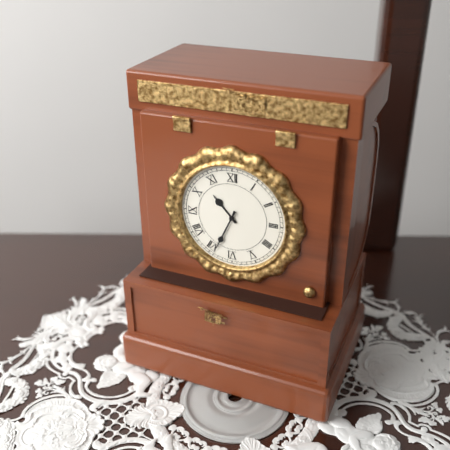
10:34
